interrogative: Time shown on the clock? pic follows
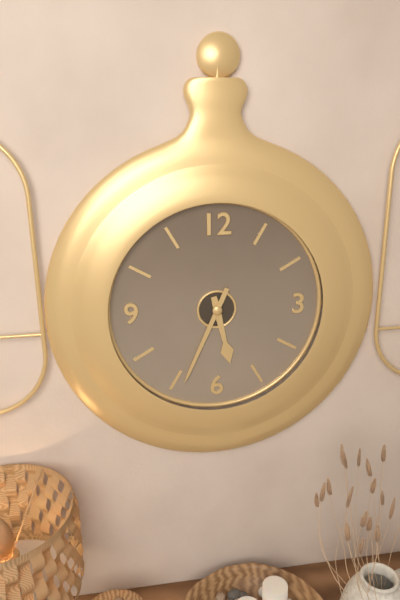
5:34
